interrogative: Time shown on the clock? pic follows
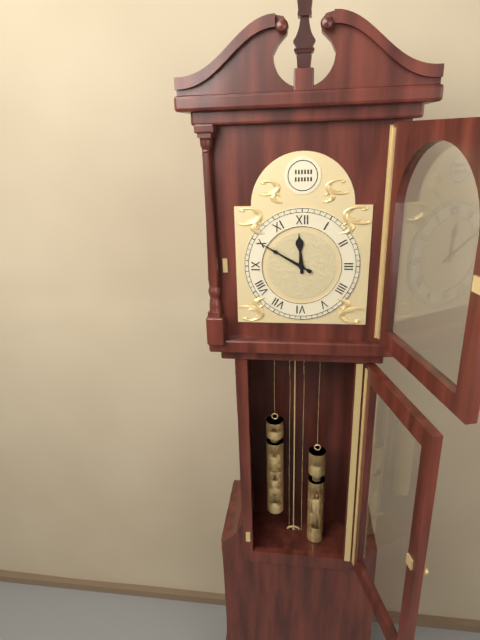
11:50
